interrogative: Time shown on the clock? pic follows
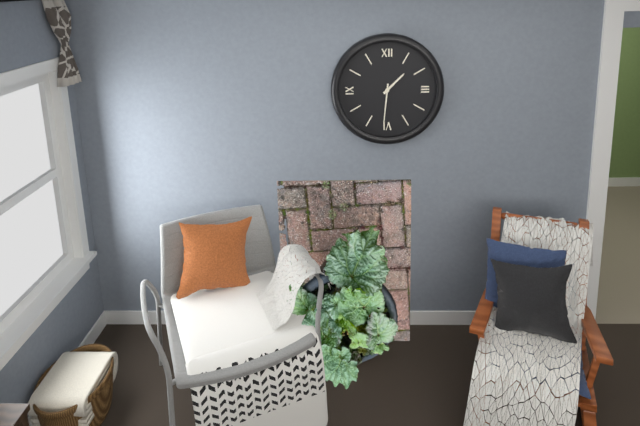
1:31
